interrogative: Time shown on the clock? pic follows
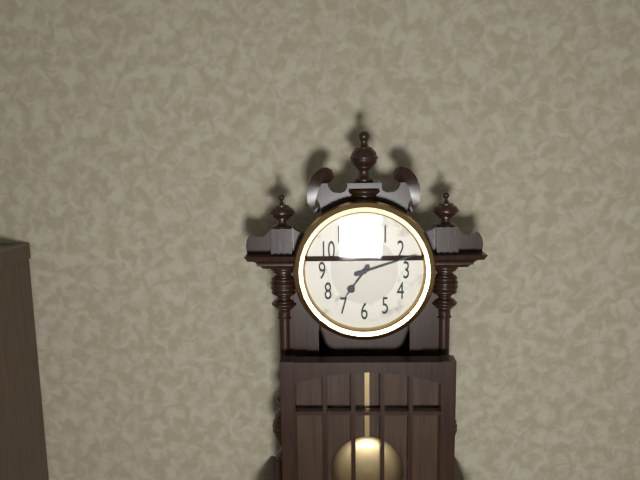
7:12
